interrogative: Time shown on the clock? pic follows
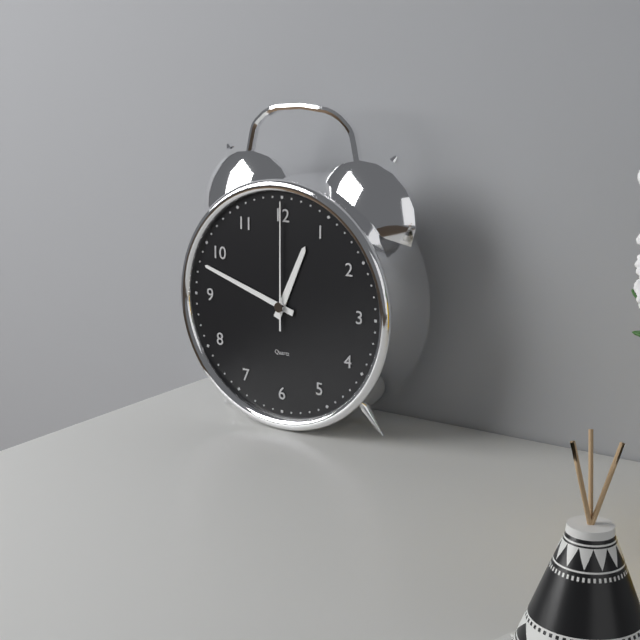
12:48:00
